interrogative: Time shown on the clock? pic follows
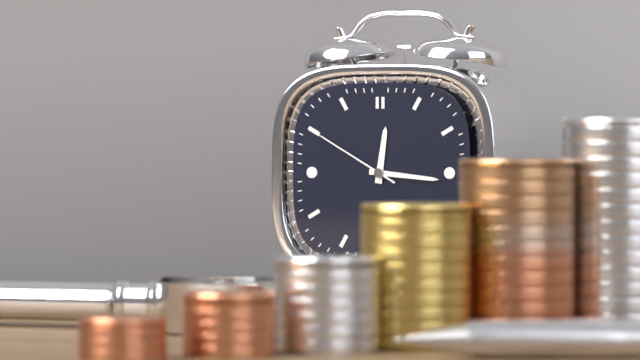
12:16:50
